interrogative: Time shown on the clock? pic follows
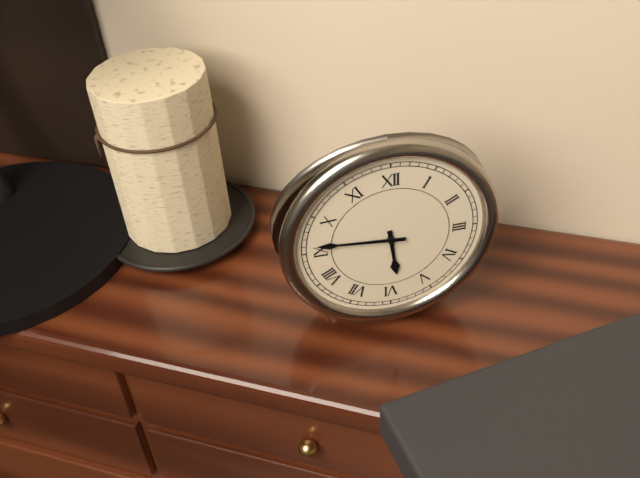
5:46
